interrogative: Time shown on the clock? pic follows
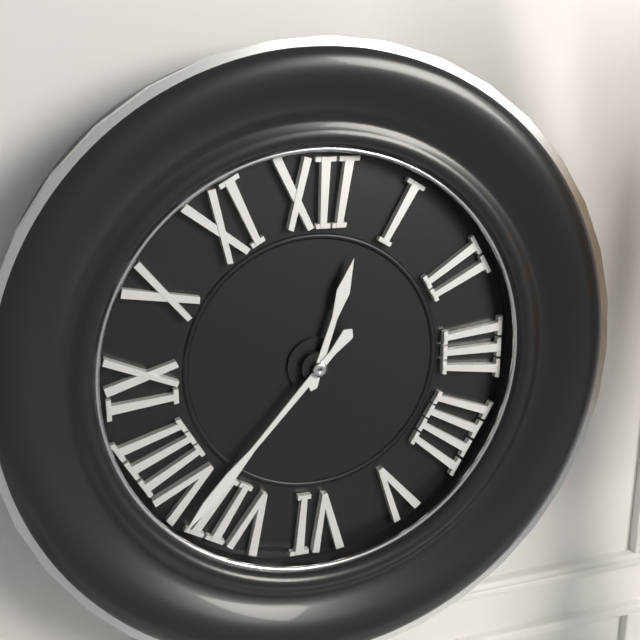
12:37
